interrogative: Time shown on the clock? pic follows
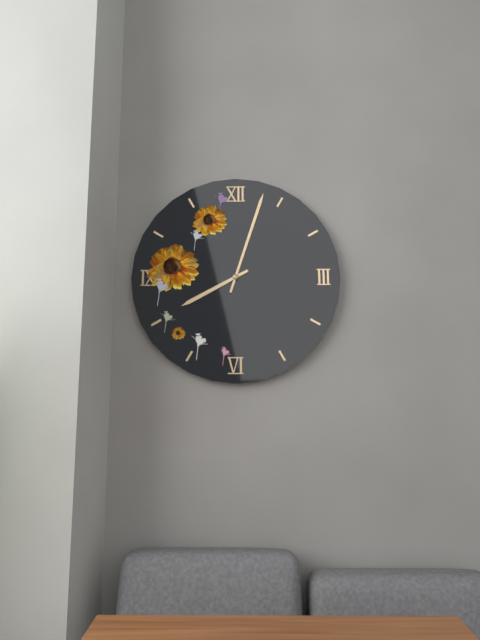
8:03
